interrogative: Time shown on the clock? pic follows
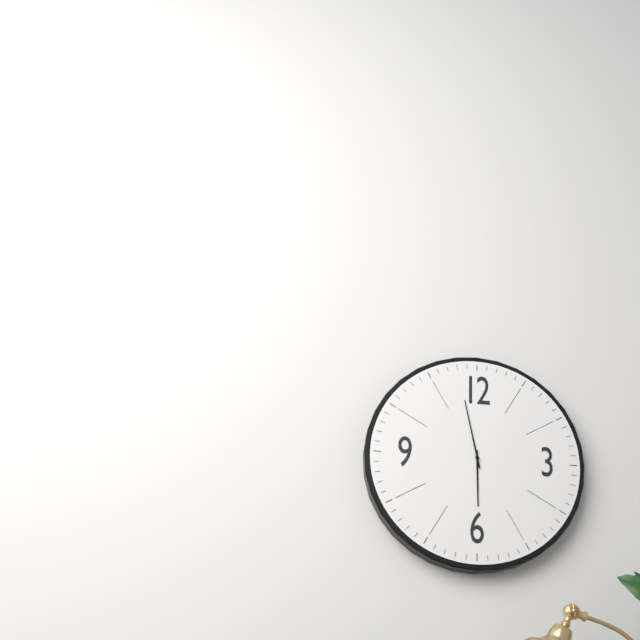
5:58
